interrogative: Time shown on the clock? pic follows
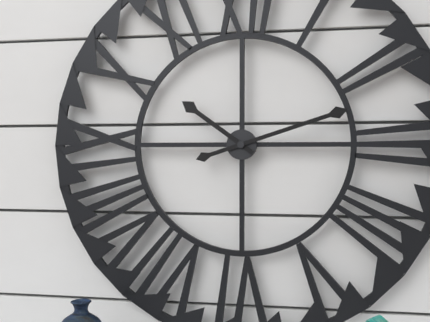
10:12
